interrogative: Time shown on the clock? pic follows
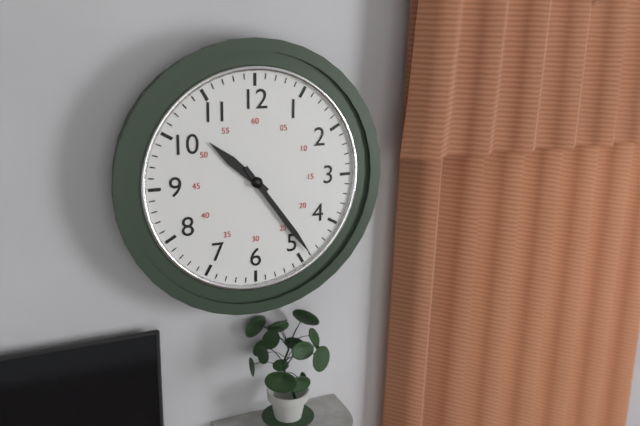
10:24
